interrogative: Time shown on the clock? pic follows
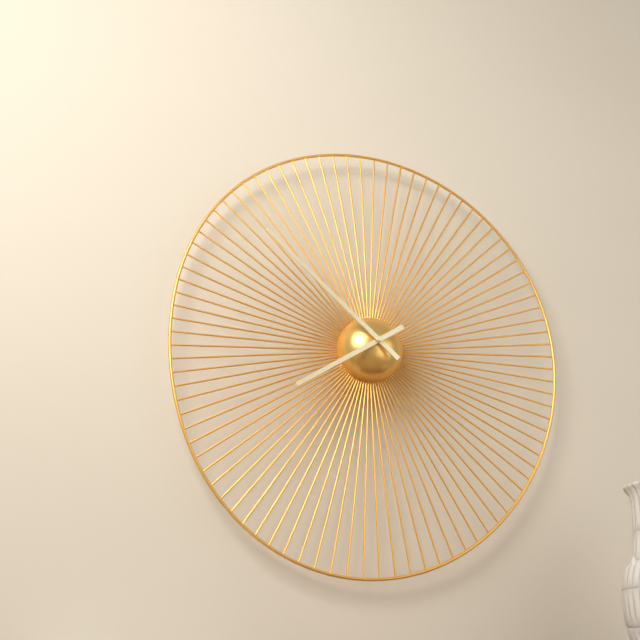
7:52
